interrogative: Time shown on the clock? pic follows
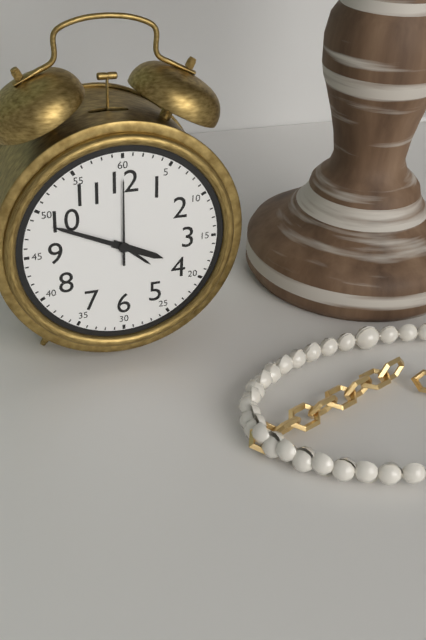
3:49:00
